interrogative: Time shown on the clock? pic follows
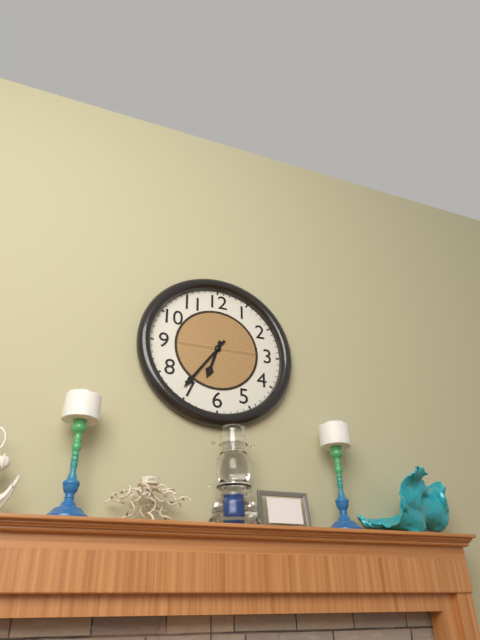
6:36
